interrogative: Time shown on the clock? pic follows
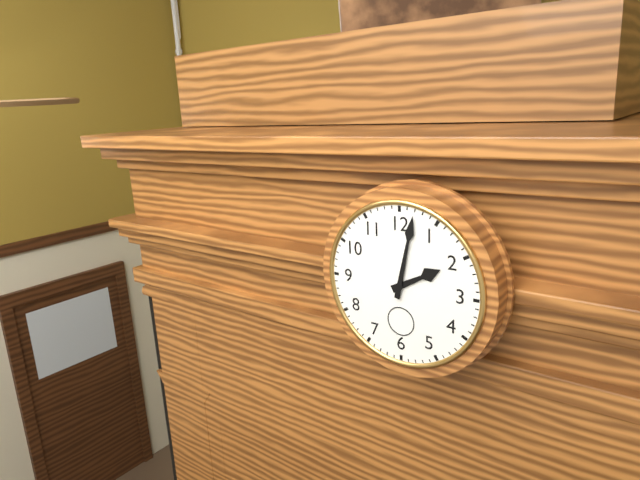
2:02
